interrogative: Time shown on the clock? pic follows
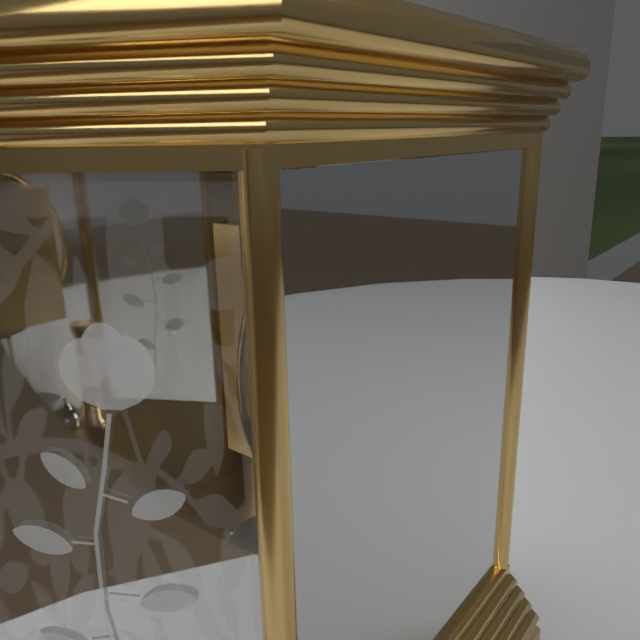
9:15
